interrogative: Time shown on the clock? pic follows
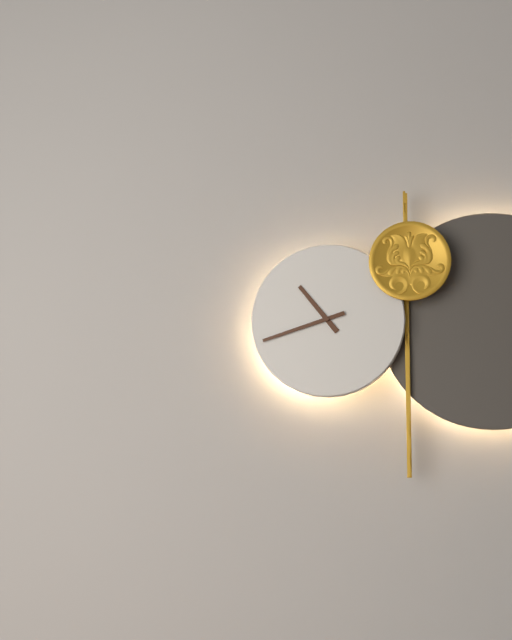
10:42
